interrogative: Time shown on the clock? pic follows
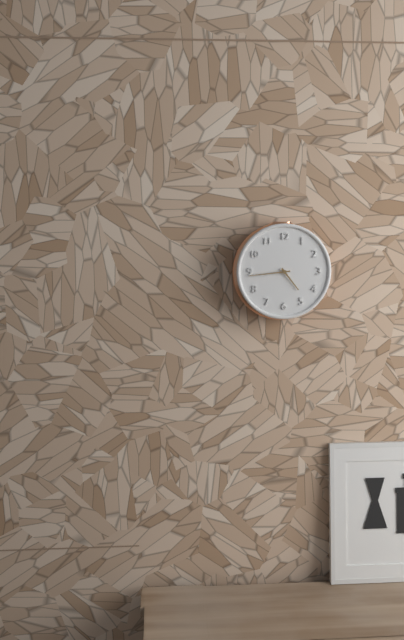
4:44
